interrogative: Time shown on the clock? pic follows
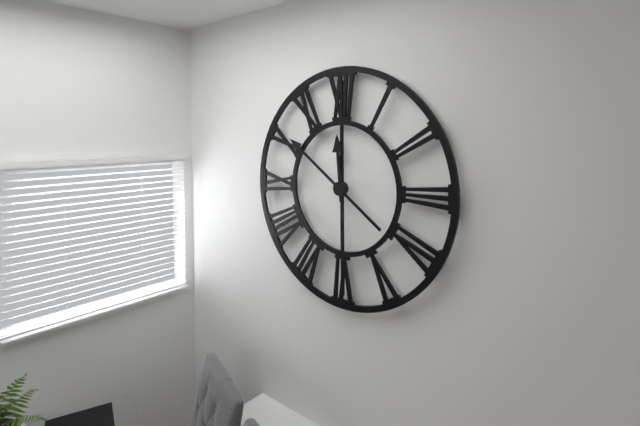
11:51
